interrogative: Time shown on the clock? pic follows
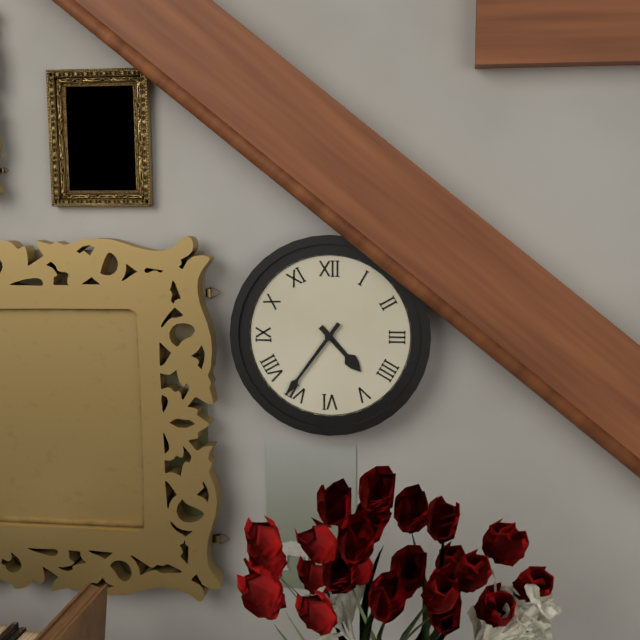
4:36
